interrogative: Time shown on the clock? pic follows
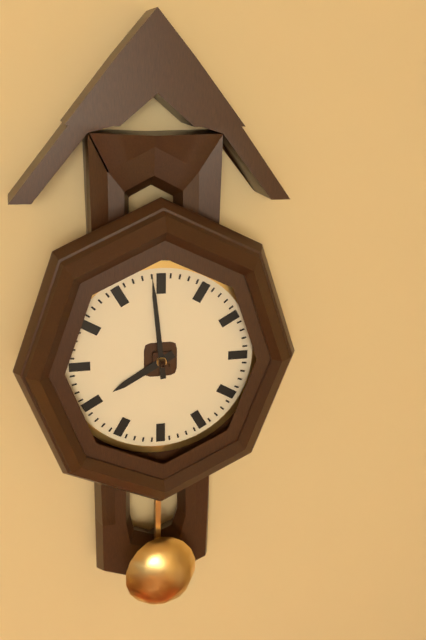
7:59
